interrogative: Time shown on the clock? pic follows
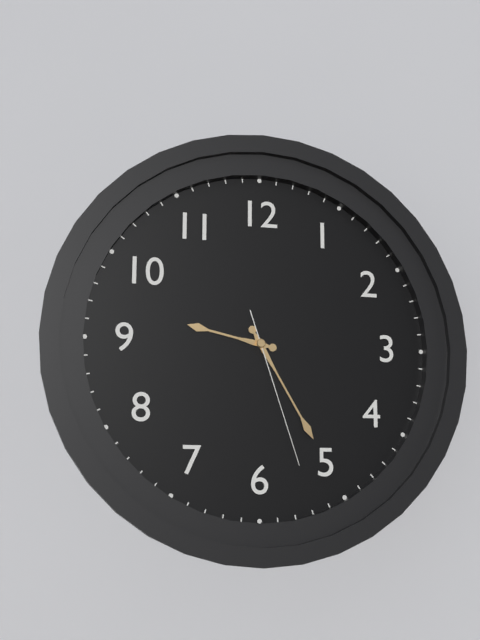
9:25:27
